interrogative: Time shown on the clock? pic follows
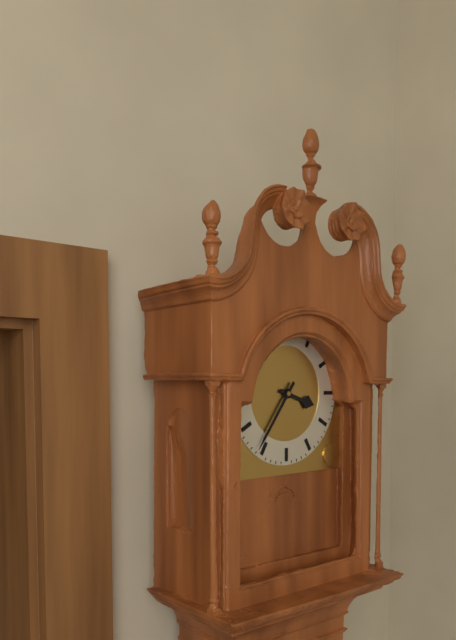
3:36
